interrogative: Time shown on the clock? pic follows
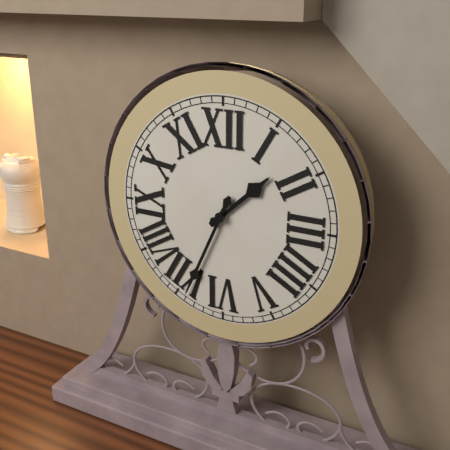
1:34
